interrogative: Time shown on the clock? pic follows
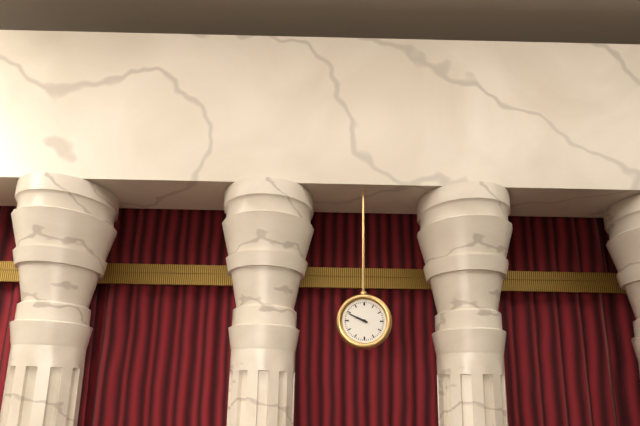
9:49
